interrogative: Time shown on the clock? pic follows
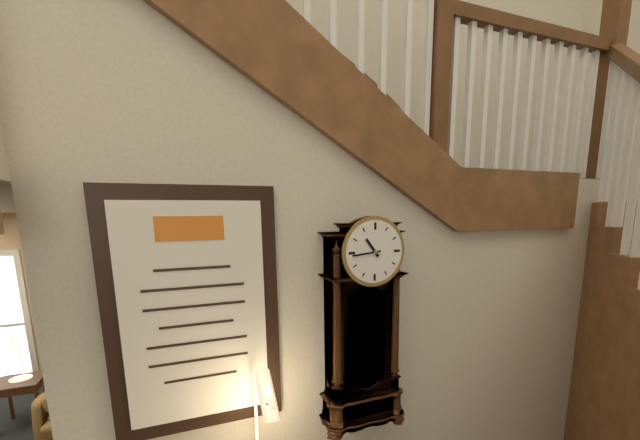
10:44
